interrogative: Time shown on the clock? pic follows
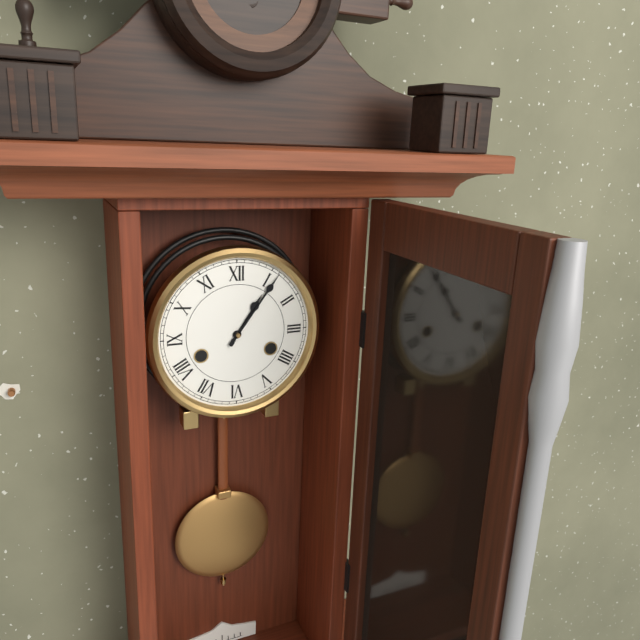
1:06
